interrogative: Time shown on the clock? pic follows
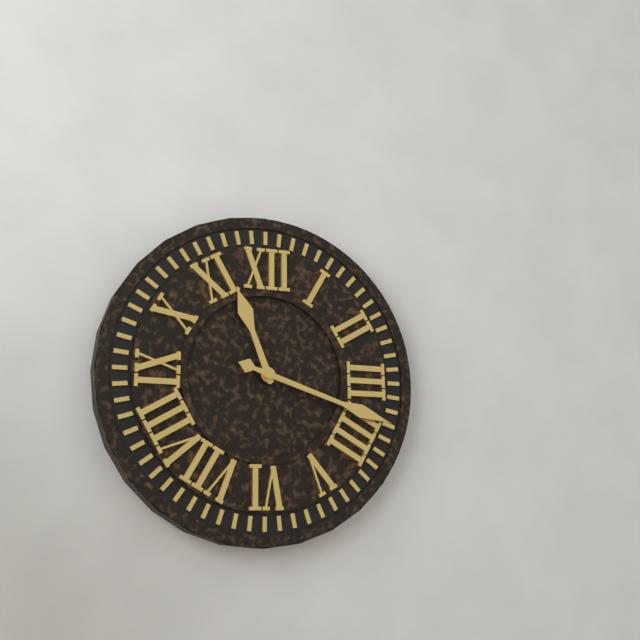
11:18
